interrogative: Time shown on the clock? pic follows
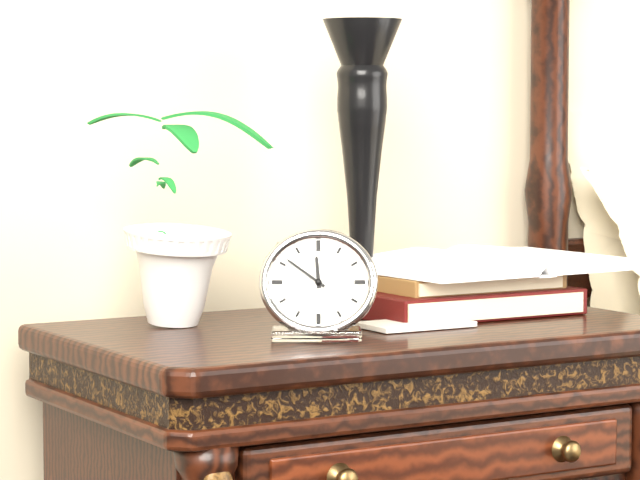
11:51
